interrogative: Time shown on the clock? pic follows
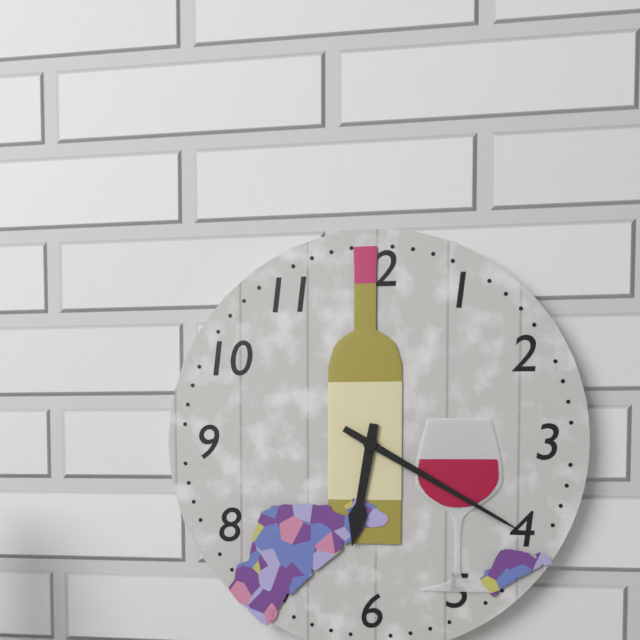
6:20
